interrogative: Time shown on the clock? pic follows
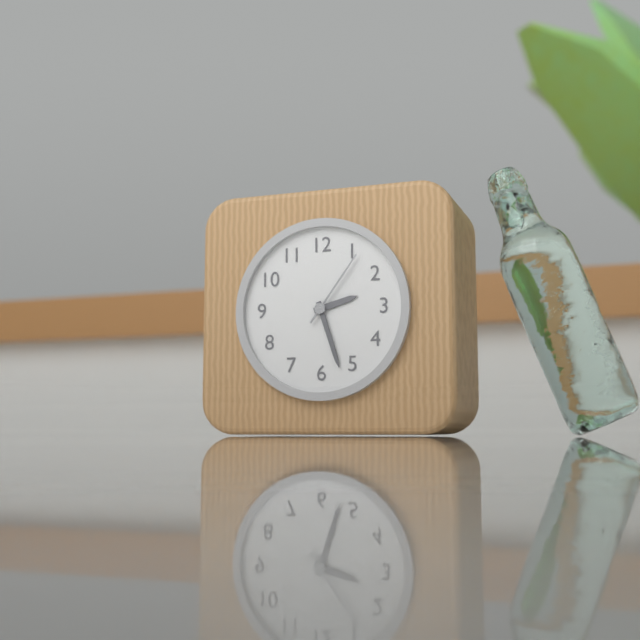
2:27:06
